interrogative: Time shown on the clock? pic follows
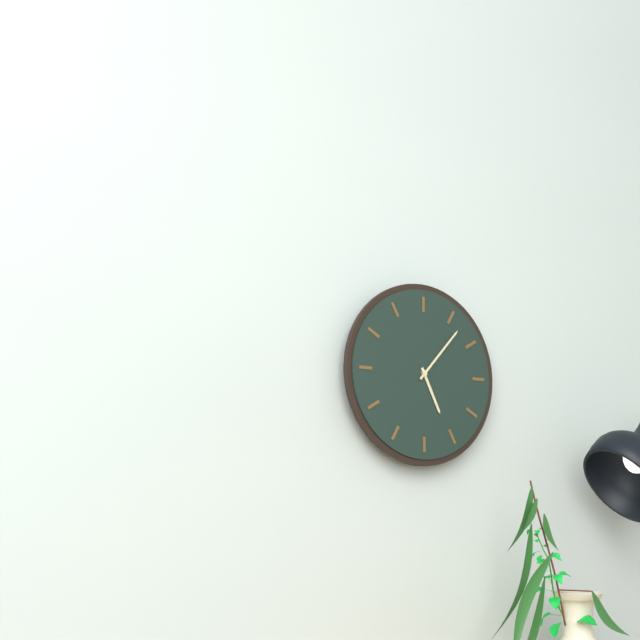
5:07
